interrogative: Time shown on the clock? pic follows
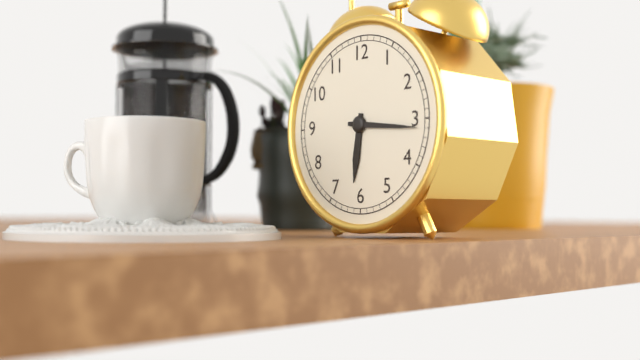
6:16
